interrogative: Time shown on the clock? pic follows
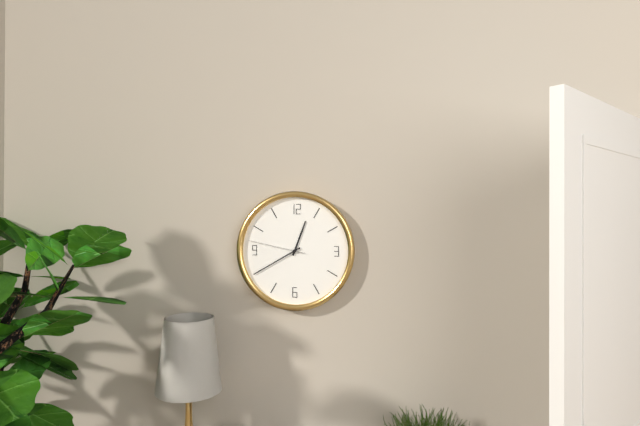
12:40:47
